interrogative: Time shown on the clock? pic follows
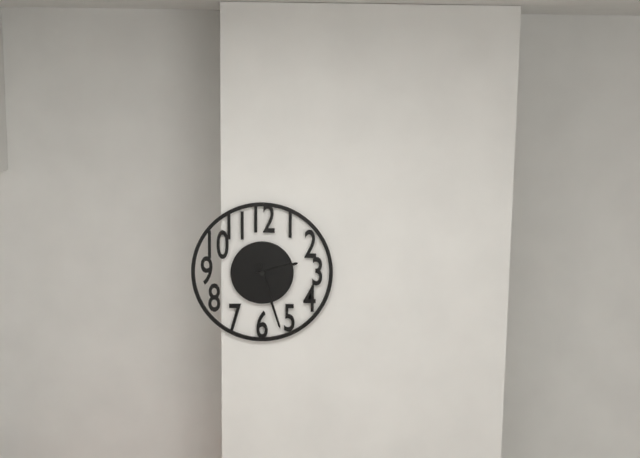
2:27
